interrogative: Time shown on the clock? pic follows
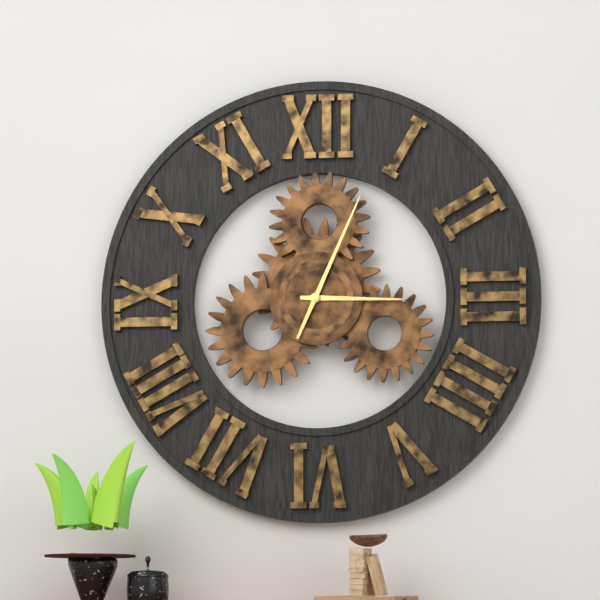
3:04
